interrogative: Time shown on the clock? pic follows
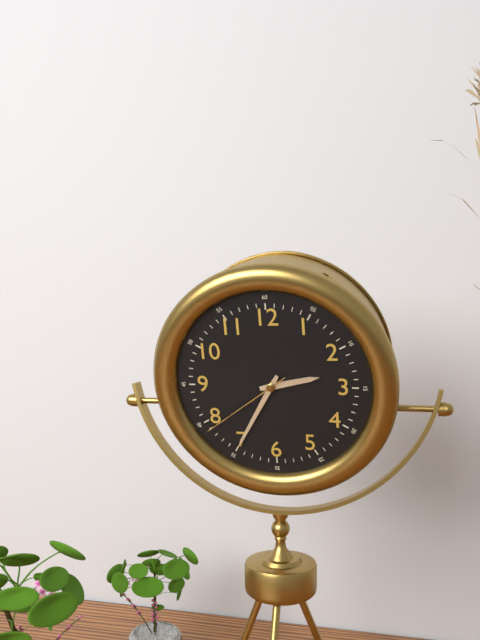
2:35:39
